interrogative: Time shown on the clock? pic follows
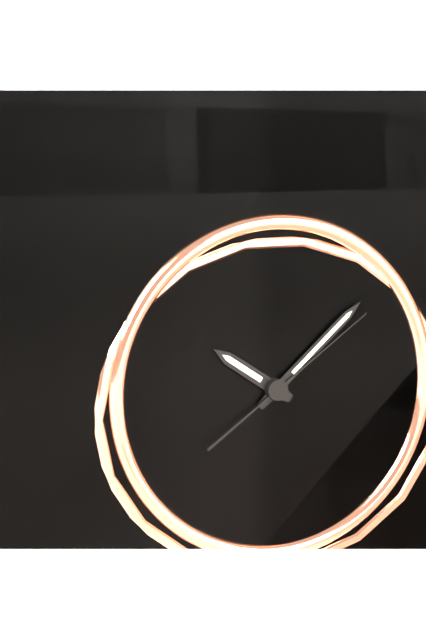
10:08:09
